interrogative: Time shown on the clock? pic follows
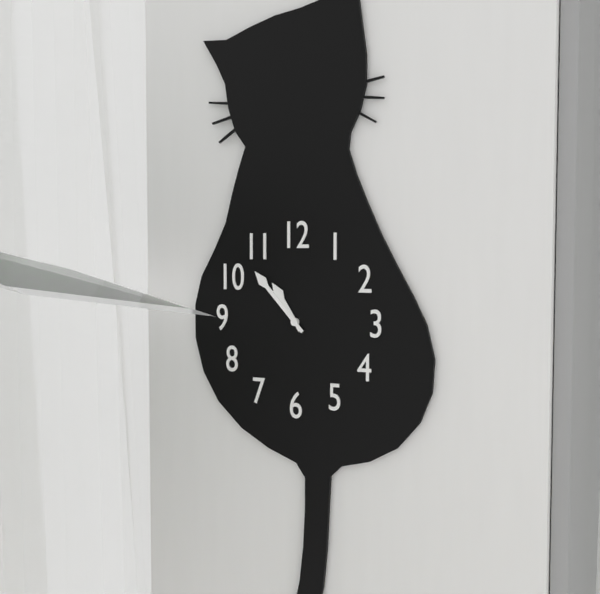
10:53
